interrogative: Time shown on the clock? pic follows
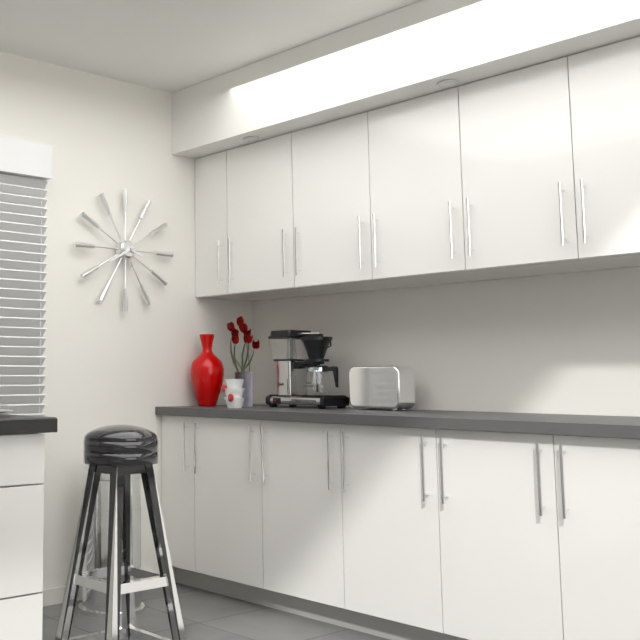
3:40
